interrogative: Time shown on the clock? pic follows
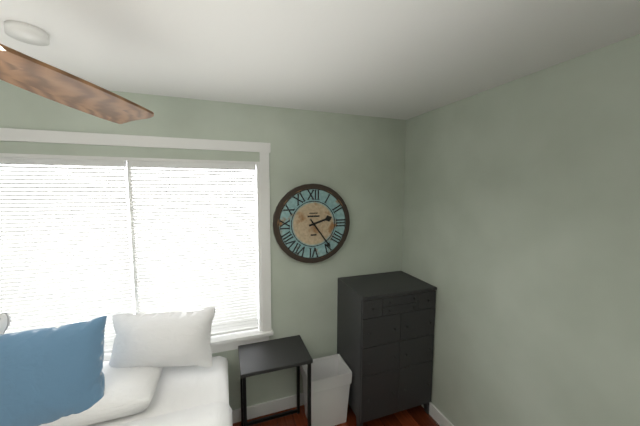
2:24
